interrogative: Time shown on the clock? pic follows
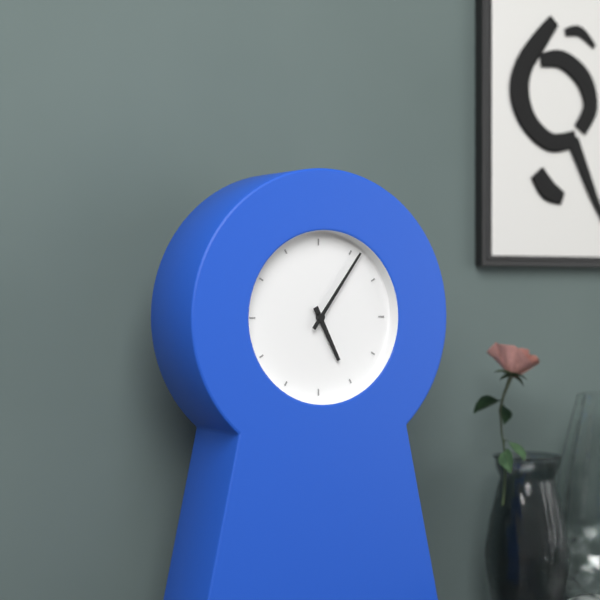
5:06
